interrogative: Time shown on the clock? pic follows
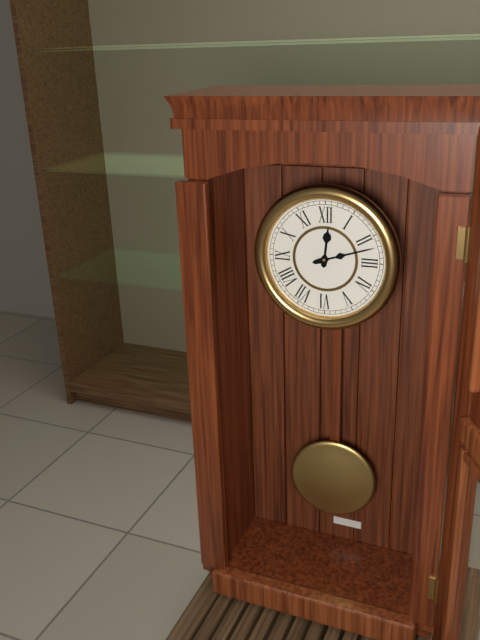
12:12
